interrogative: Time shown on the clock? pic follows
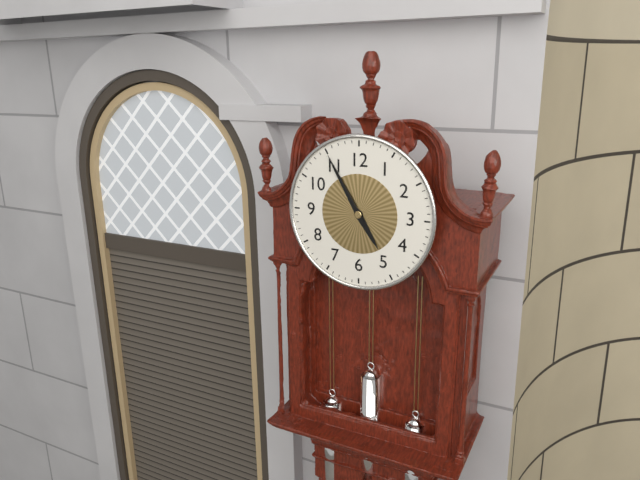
4:55
